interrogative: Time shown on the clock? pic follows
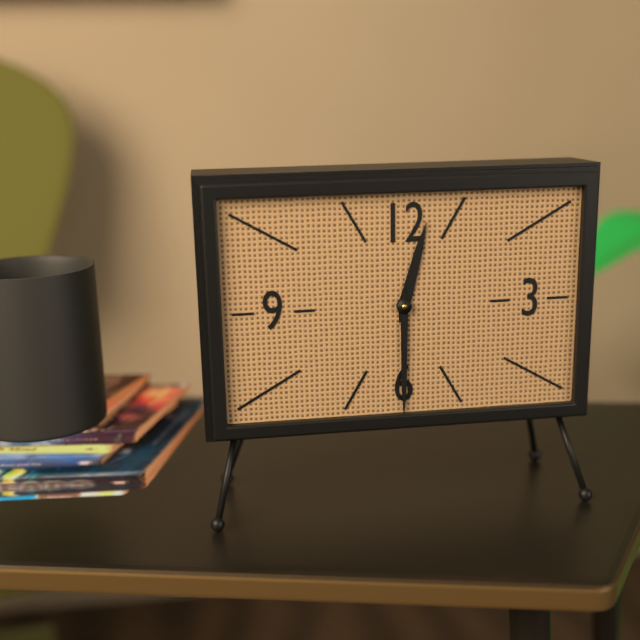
12:30
